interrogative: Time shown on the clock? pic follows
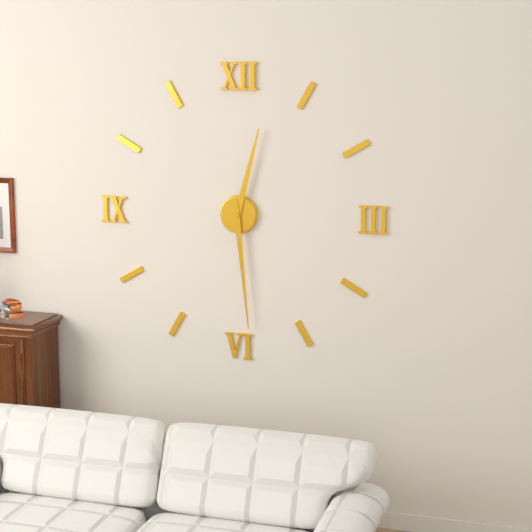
12:29
